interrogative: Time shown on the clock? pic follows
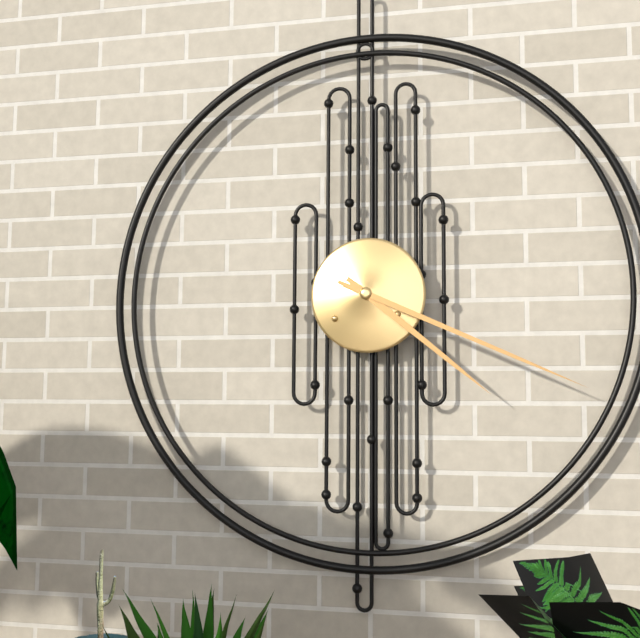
4:19
